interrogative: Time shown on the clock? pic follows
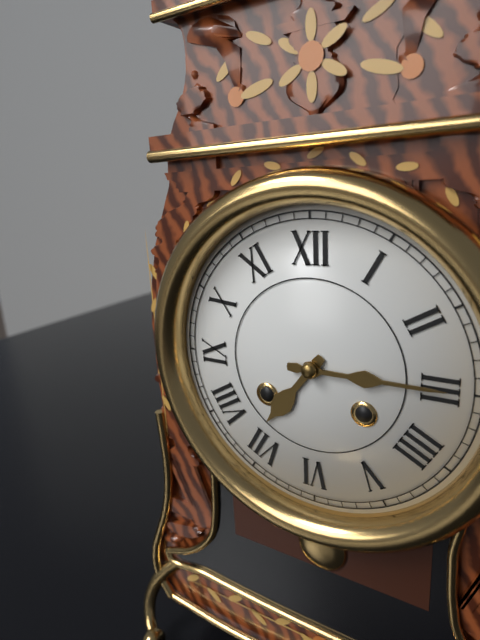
7:15
